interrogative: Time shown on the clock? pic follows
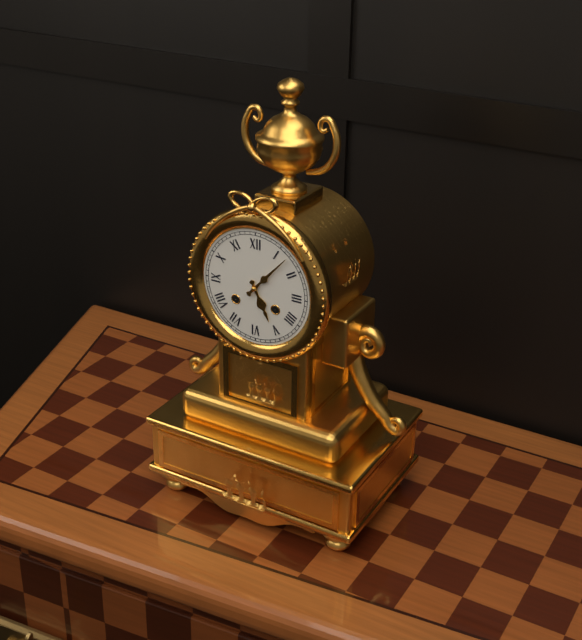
5:07
